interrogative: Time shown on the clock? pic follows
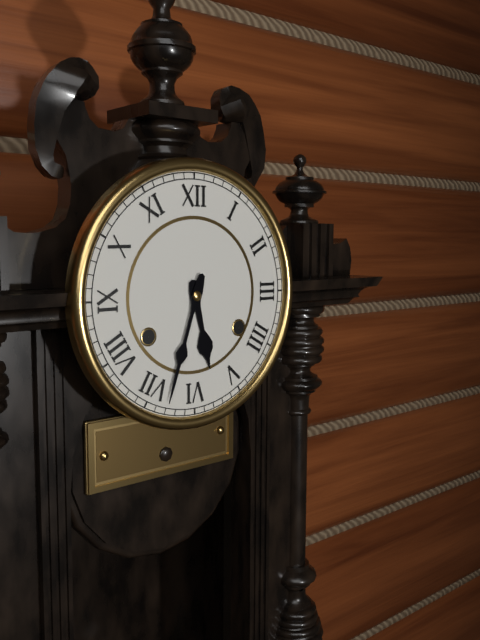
5:33
